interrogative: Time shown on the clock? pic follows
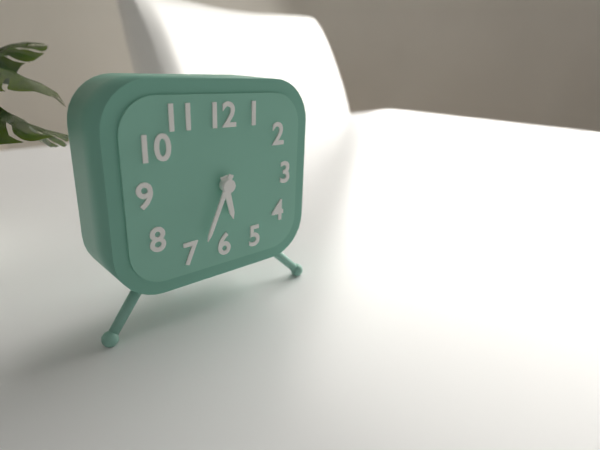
5:34
